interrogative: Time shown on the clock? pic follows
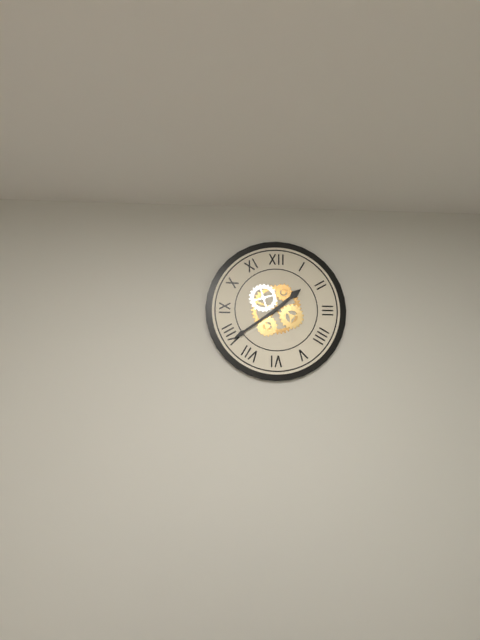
1:39
